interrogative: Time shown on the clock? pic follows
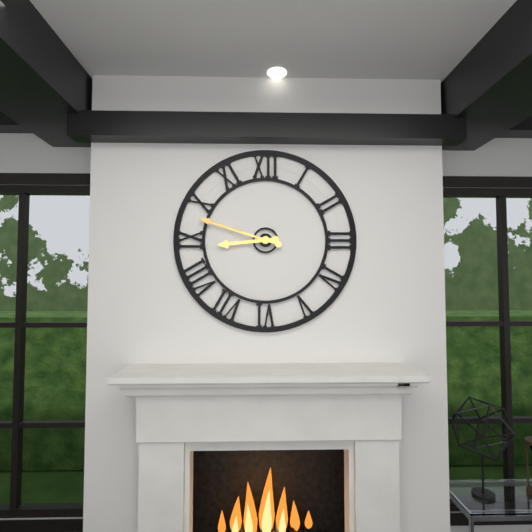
8:48
